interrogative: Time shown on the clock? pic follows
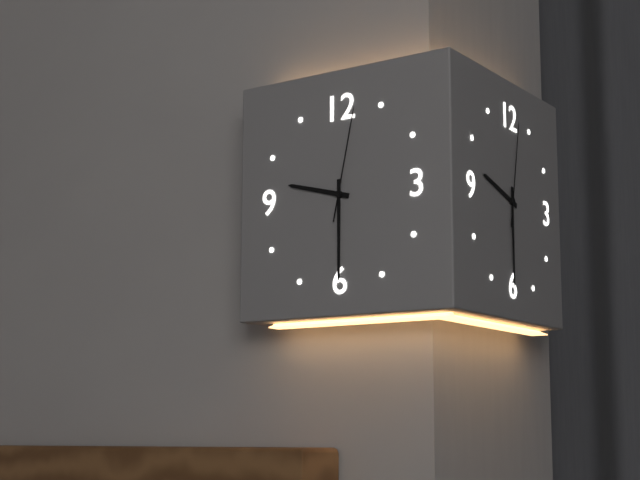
9:30:02
